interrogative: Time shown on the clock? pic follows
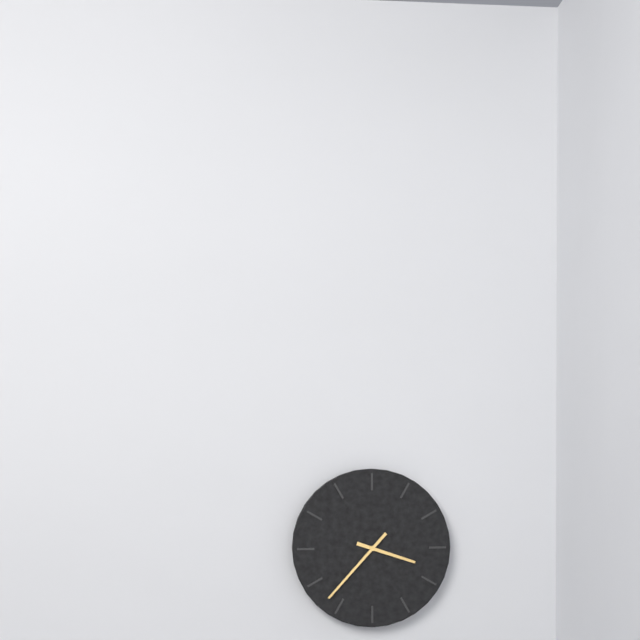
3:37
